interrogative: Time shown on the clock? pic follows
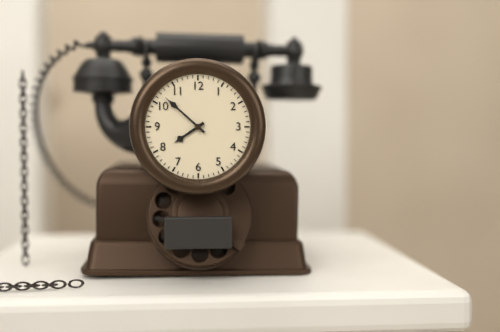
7:52
